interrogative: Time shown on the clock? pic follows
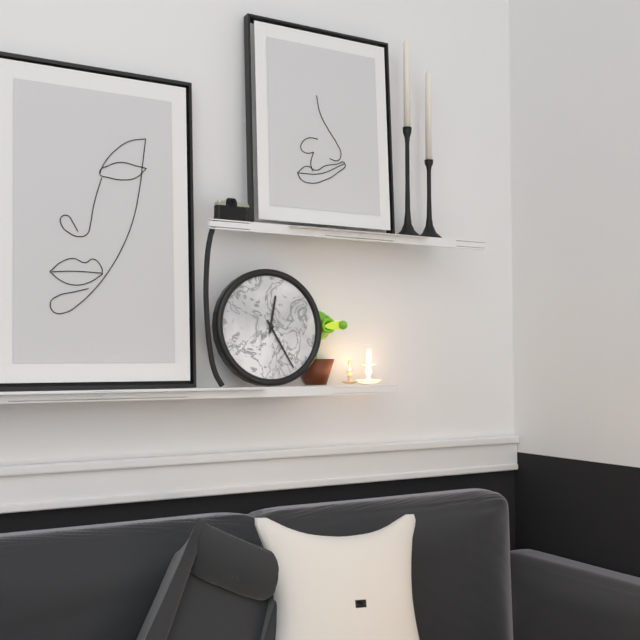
12:25
